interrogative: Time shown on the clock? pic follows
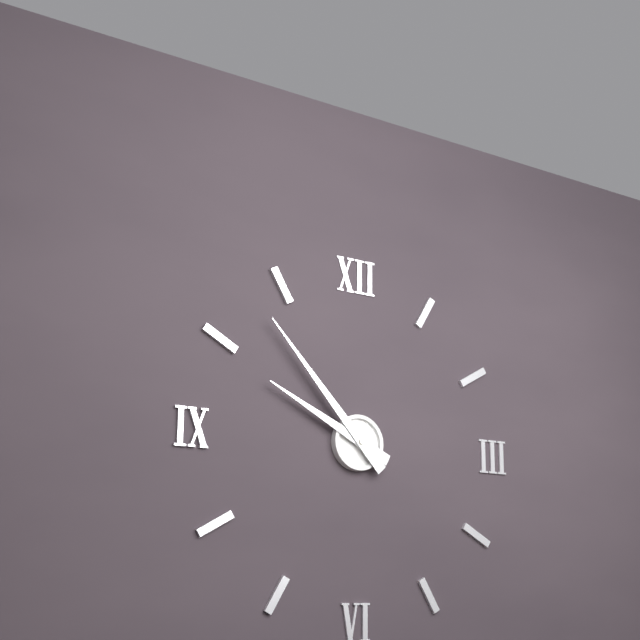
9:53
